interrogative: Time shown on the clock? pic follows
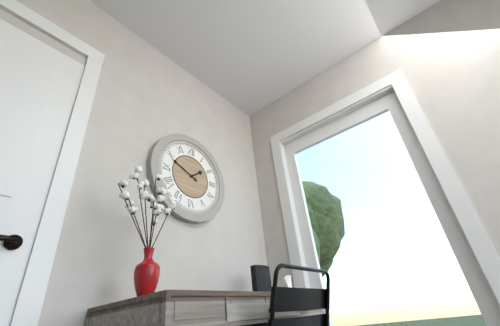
1:49
